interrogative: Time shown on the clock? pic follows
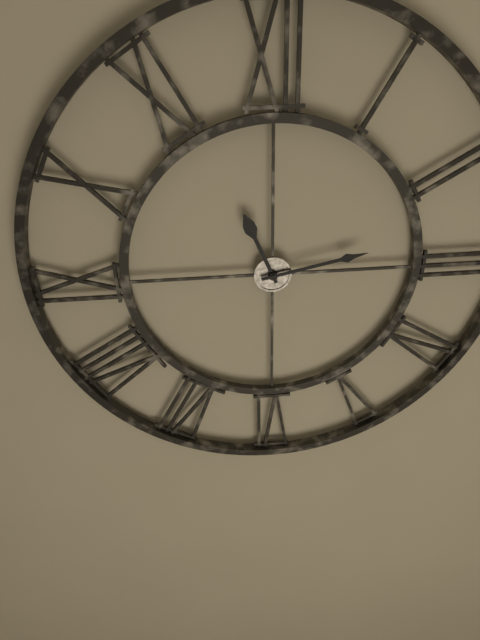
11:13
